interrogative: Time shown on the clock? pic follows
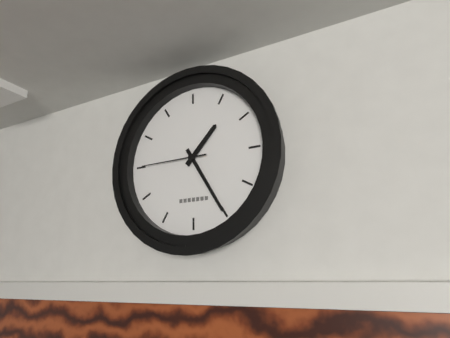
1:25:45
